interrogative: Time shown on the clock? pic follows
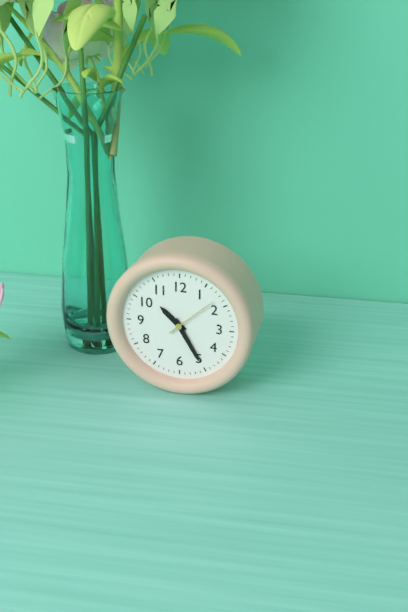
10:25:08
